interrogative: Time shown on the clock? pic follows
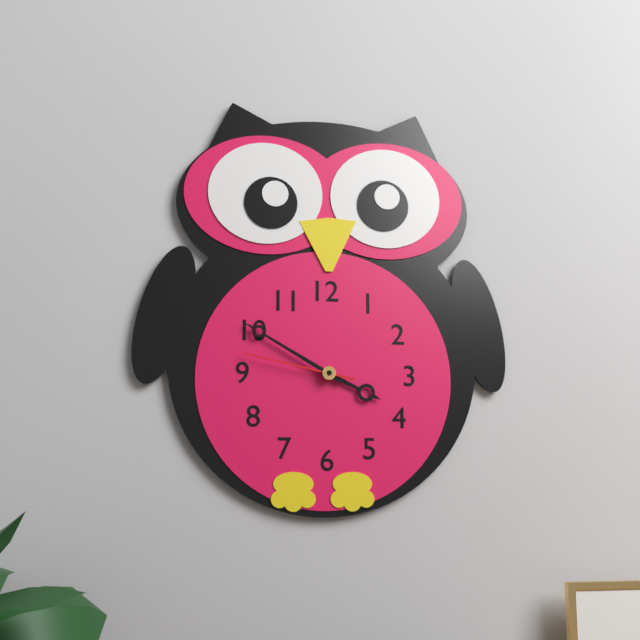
3:50:47
